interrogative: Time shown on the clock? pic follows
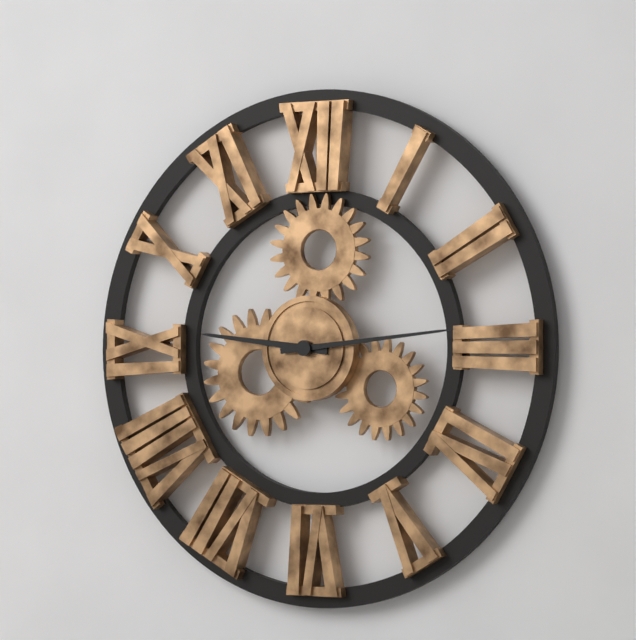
9:14
